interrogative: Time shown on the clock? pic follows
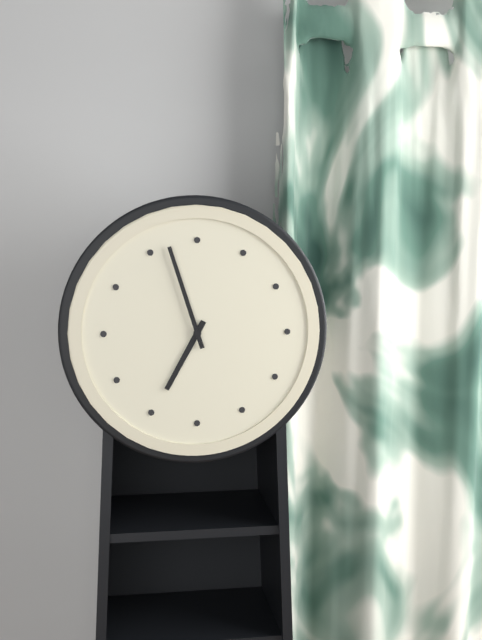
6:57
